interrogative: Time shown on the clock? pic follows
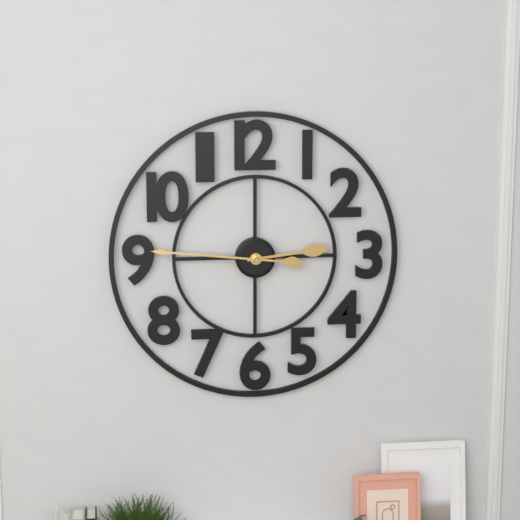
2:46
